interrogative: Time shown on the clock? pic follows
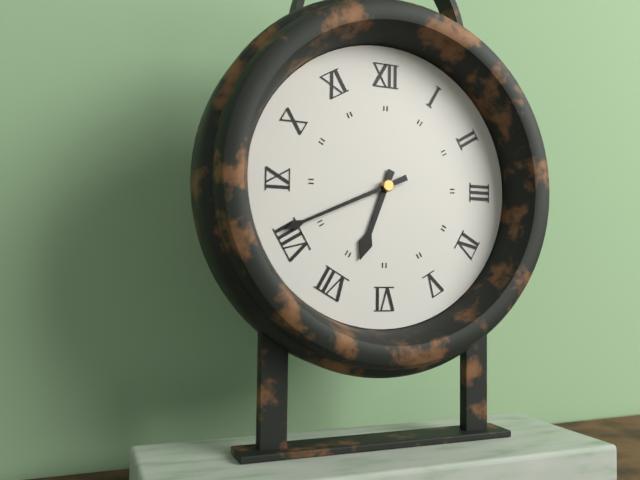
6:41
